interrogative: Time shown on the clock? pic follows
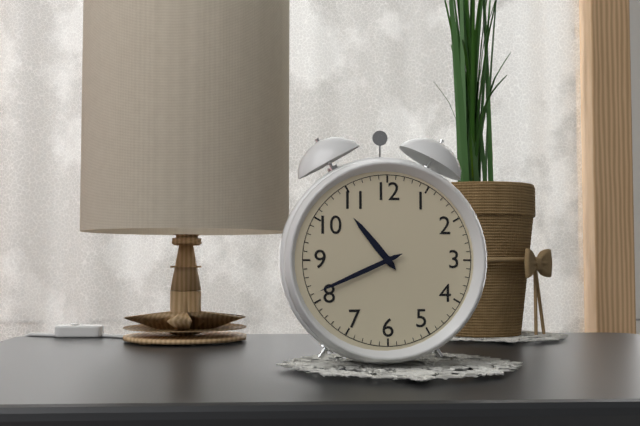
10:41
